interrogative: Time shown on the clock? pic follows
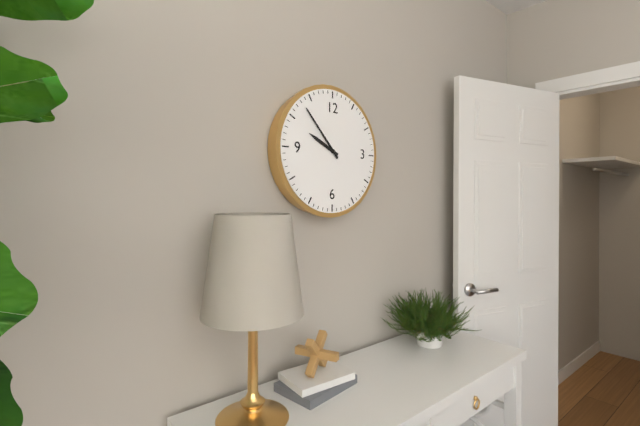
9:53
